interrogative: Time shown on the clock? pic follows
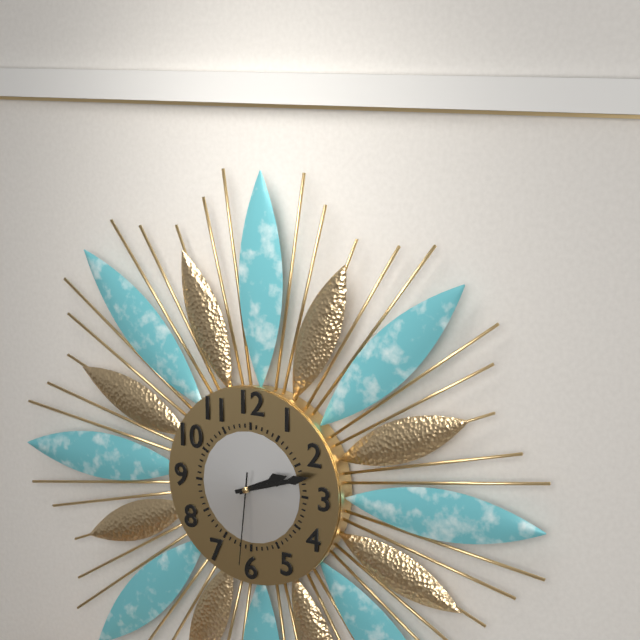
2:12:31
